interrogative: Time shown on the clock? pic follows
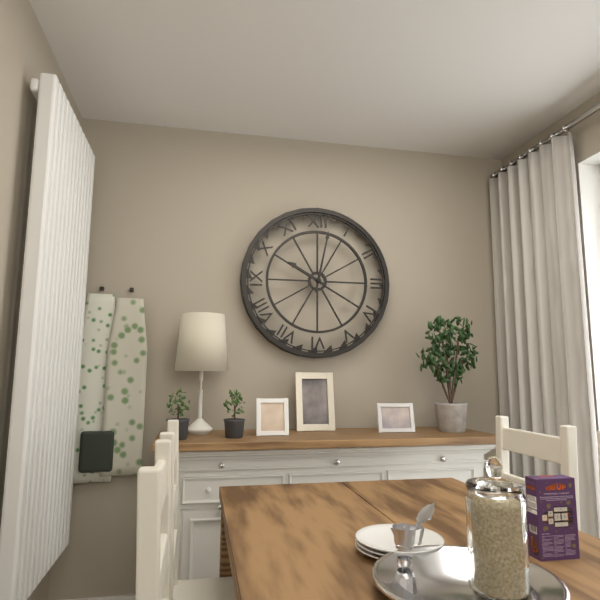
10:02
